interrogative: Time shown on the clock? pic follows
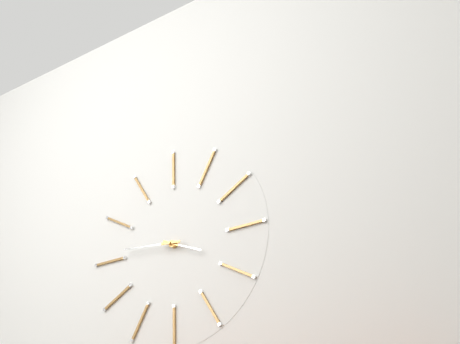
3:46
